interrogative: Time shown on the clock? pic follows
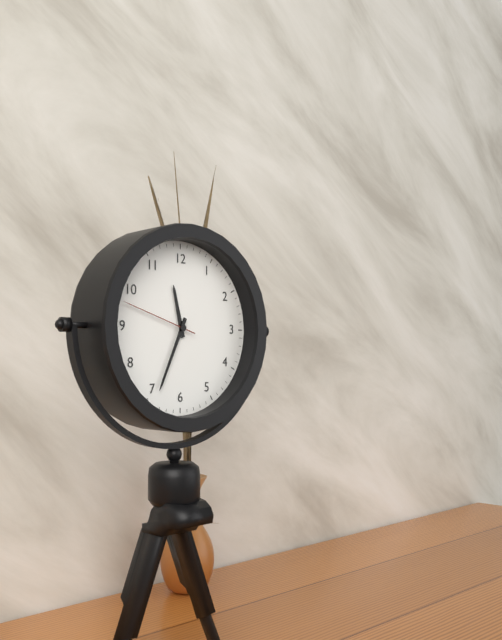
11:34:48
